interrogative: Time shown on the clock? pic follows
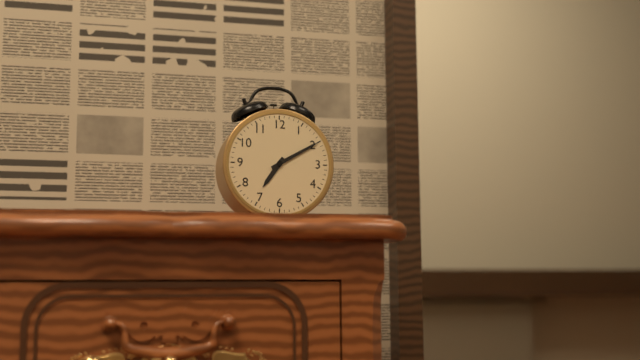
7:10
